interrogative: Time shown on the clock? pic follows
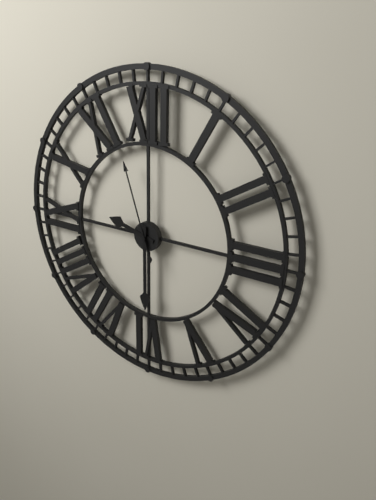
9:30:57
